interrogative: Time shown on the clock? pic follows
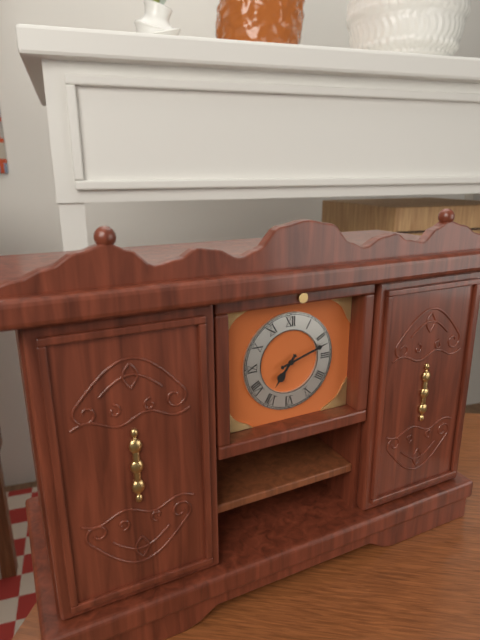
7:12
